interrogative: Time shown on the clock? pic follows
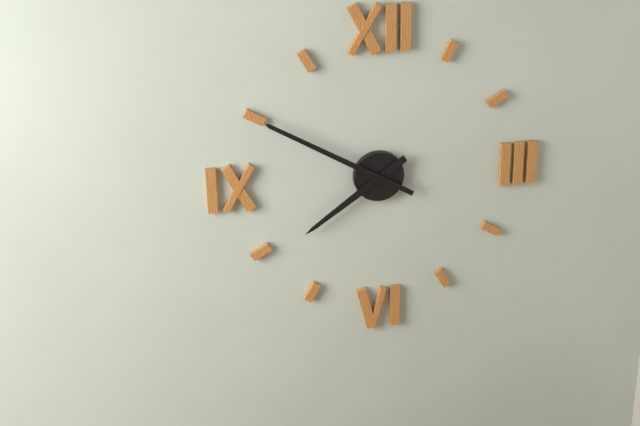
7:50
